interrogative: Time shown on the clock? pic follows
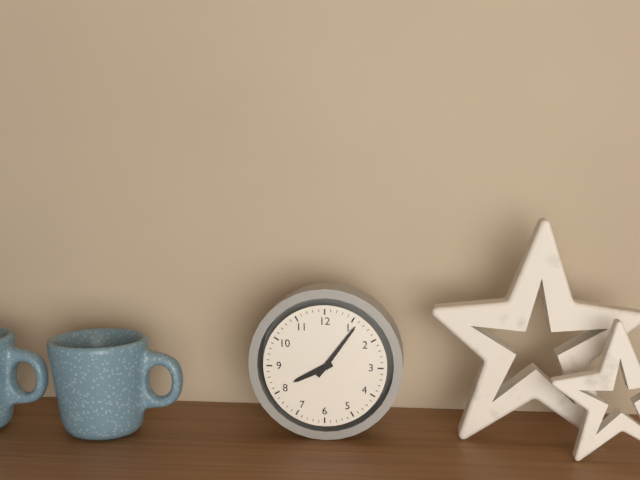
8:06
